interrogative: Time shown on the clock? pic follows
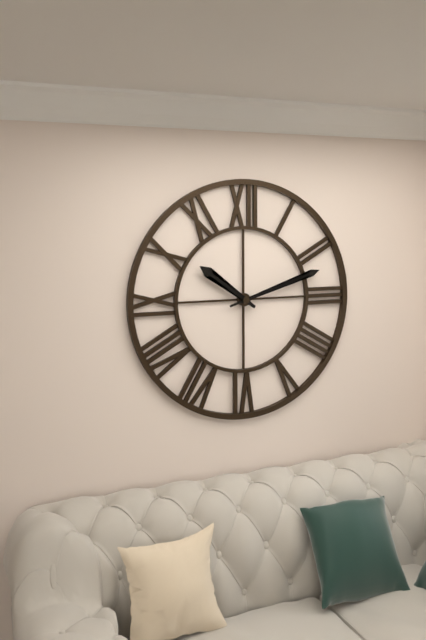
10:12
